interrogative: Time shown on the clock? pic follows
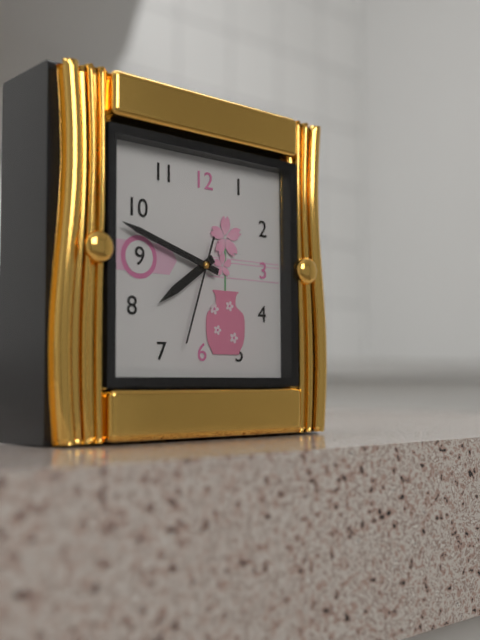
7:48:33
